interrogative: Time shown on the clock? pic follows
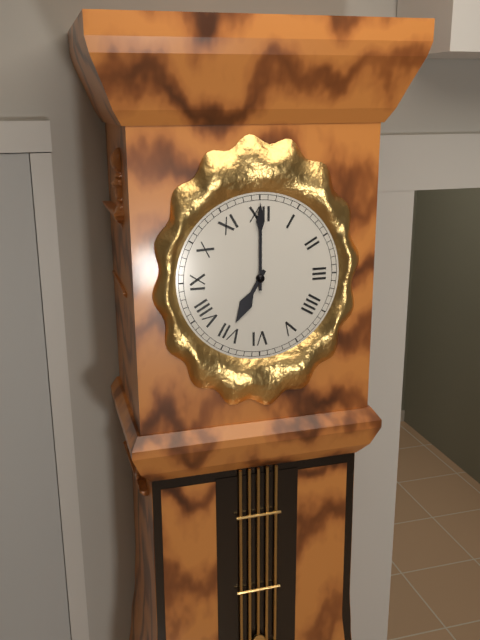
7:00
